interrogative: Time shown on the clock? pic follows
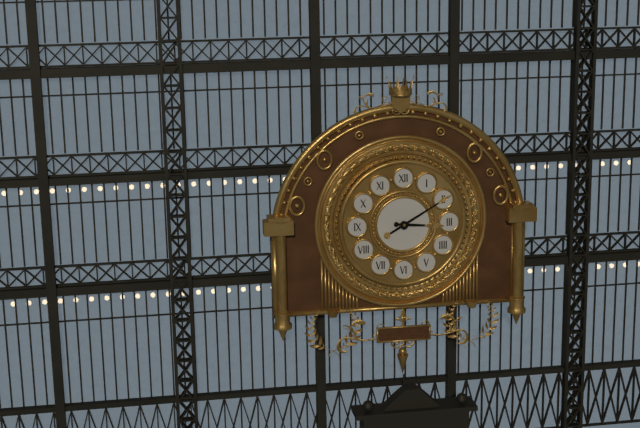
3:10
